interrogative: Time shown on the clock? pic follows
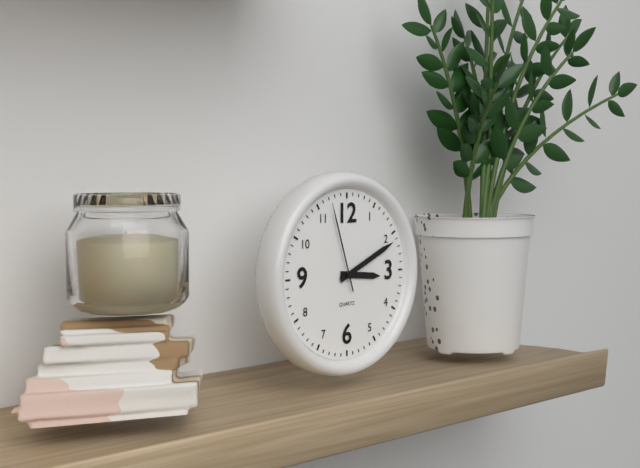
3:11:57
